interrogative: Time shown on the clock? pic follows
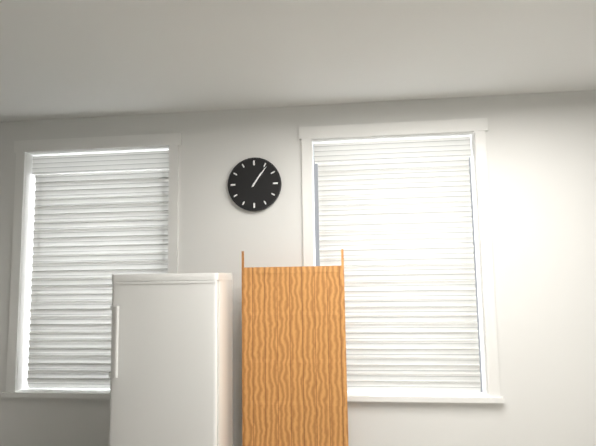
1:06
